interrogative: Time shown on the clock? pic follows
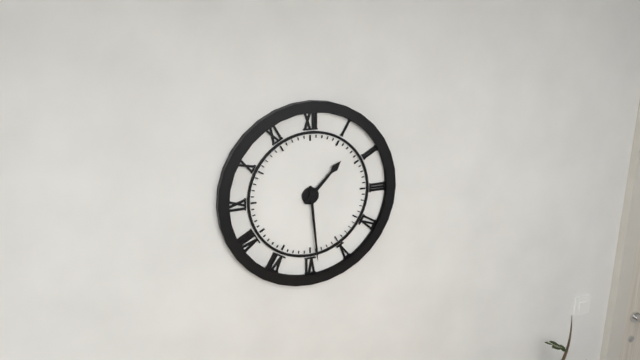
1:29
